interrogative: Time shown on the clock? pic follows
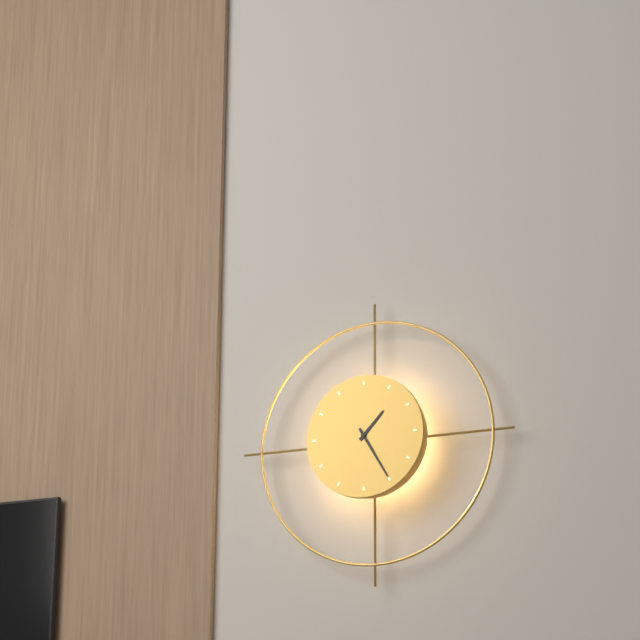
1:25
